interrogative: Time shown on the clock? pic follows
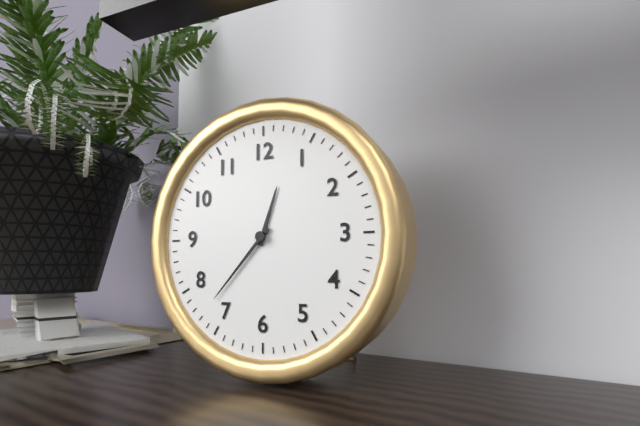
12:37
